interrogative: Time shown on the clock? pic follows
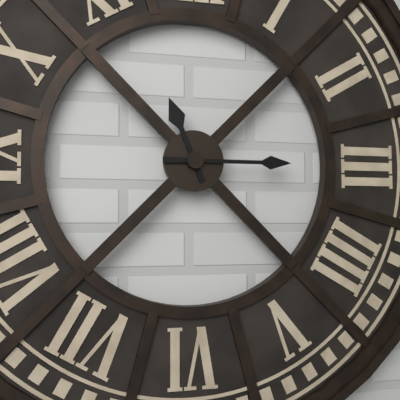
11:15
